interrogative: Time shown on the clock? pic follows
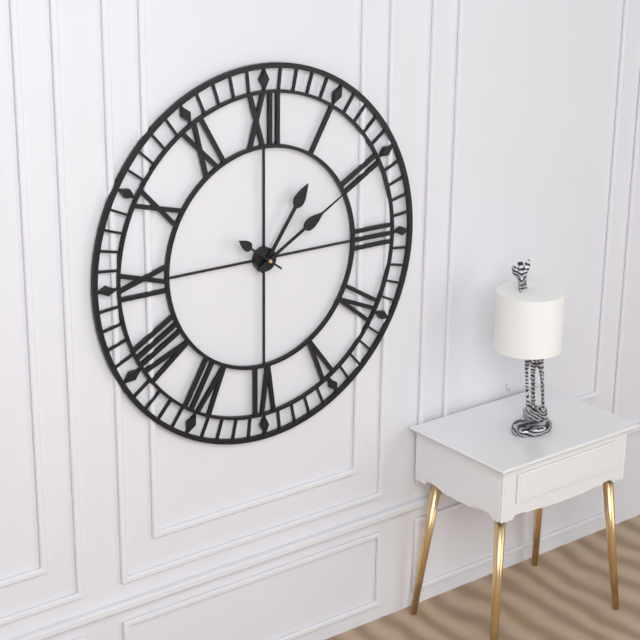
1:10
